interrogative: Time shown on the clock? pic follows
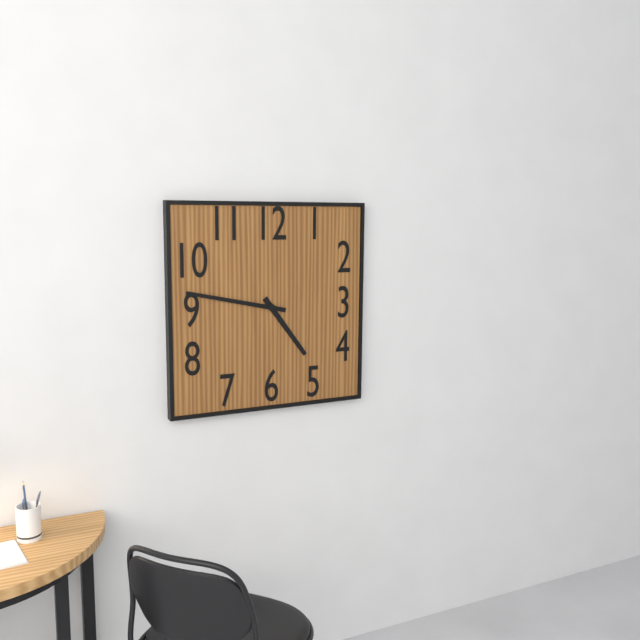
4:47
